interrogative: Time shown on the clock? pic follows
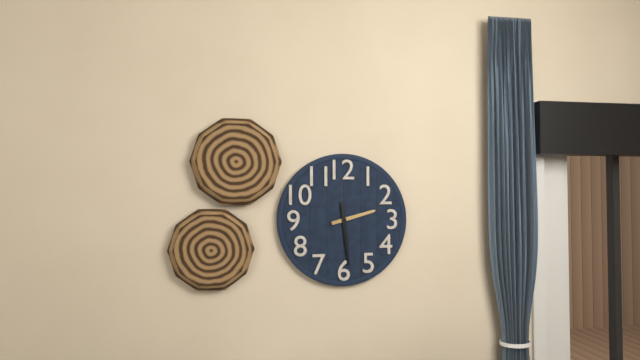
2:29
